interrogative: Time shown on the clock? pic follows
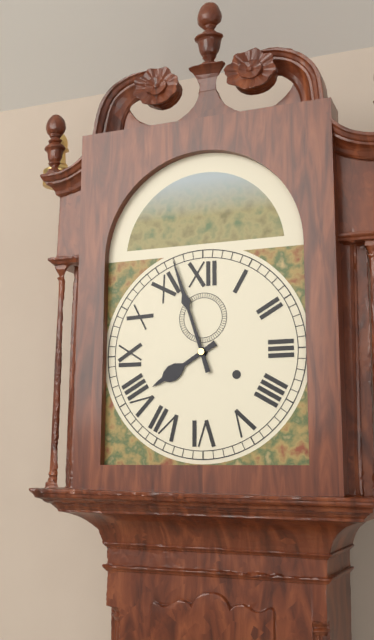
7:57
